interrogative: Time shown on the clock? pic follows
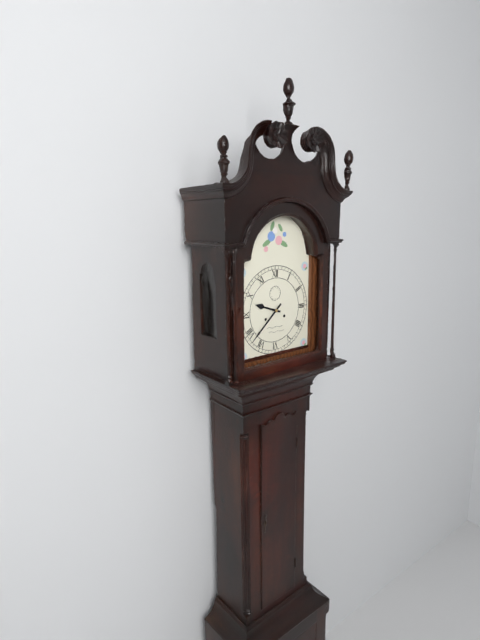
9:38
